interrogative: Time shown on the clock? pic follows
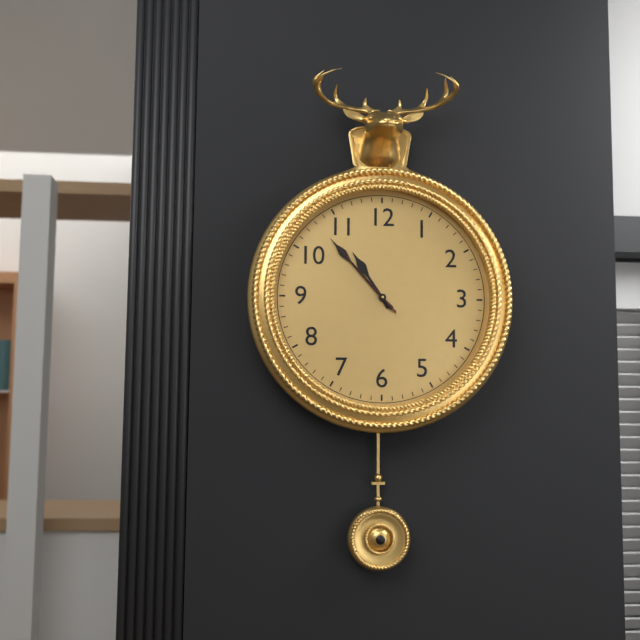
10:53:53
